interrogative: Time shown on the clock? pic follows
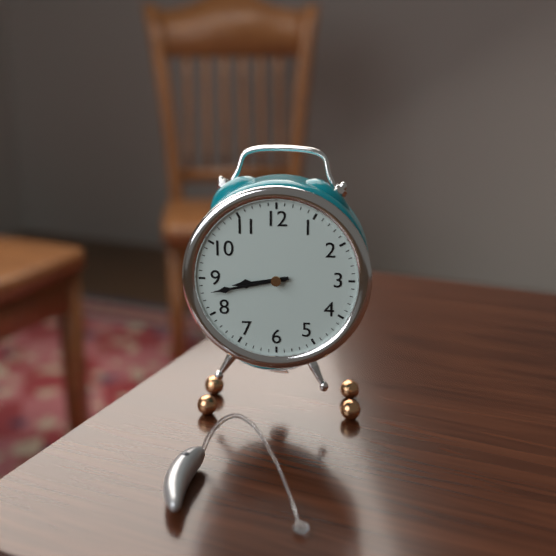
8:43
